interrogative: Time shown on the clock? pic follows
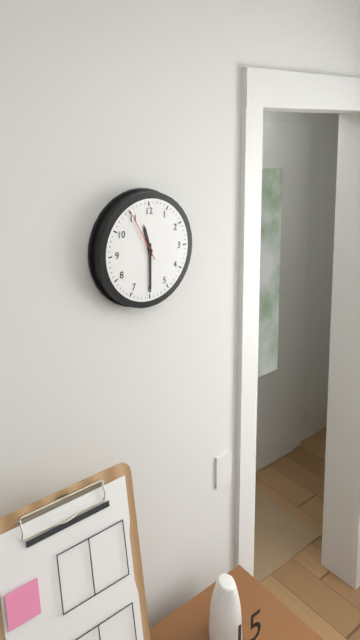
11:30:55
